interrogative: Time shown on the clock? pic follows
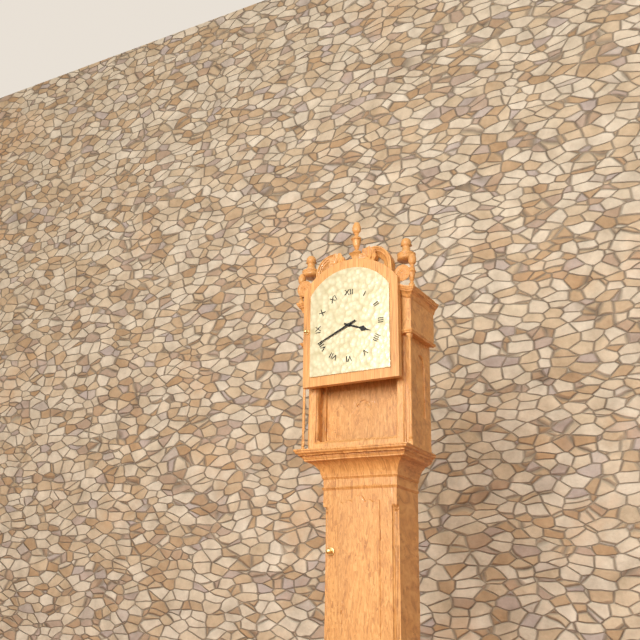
3:41
